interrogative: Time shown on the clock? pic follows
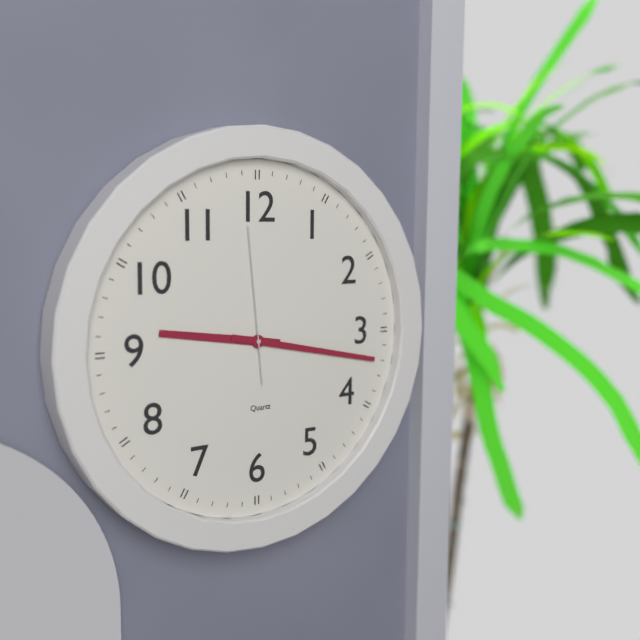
9:17:59
